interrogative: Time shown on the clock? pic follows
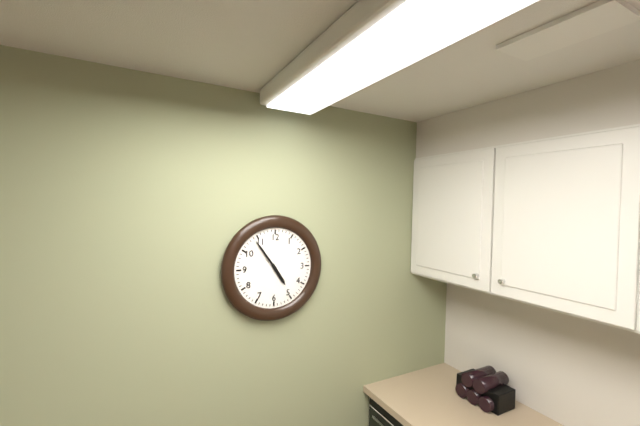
4:54
